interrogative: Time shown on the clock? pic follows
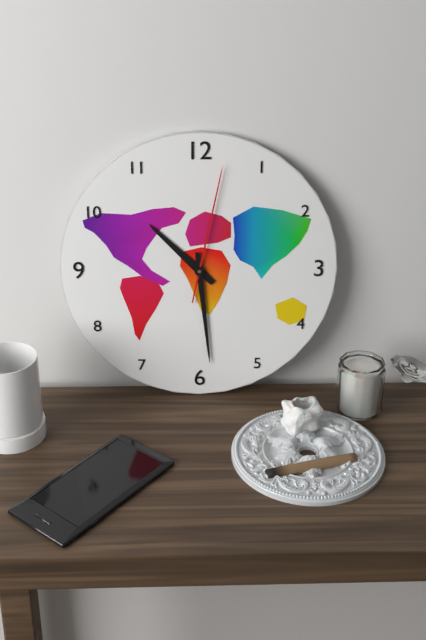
10:29:02
